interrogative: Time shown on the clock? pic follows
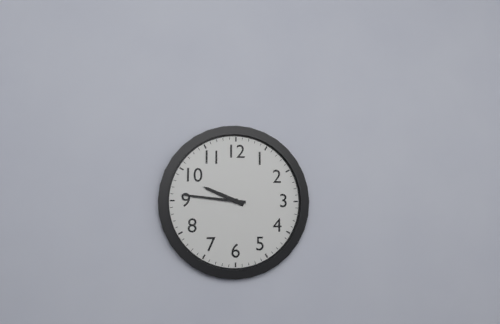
9:46
